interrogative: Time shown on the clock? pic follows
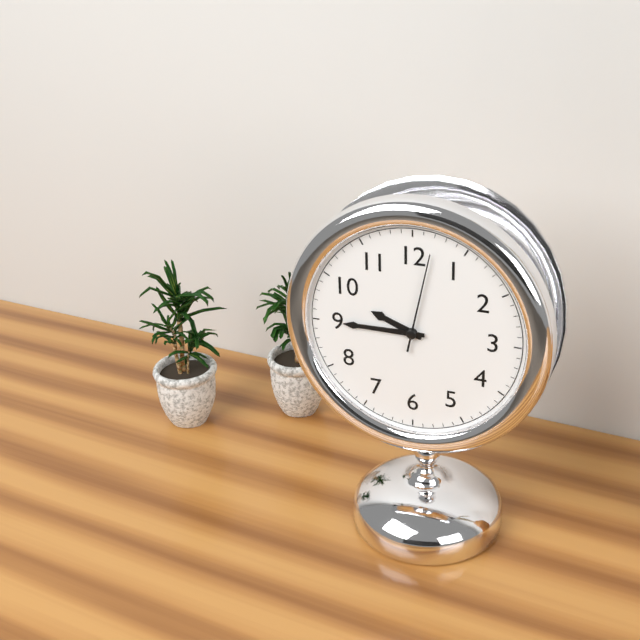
9:45:02
